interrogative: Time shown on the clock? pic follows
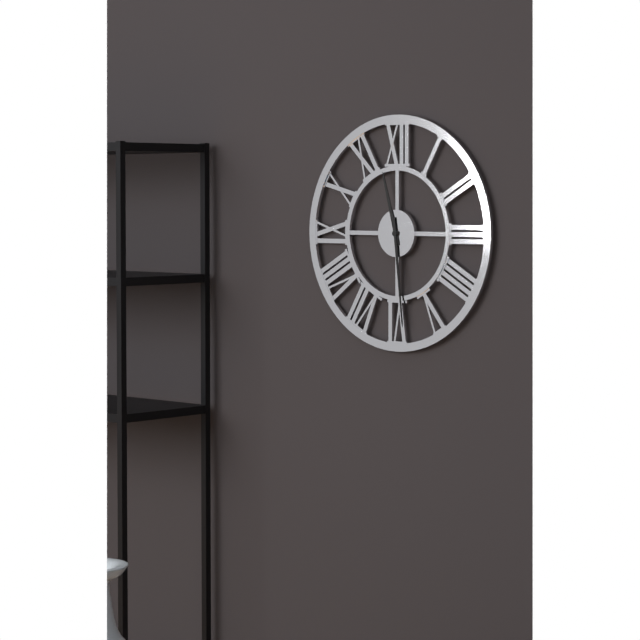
11:29
